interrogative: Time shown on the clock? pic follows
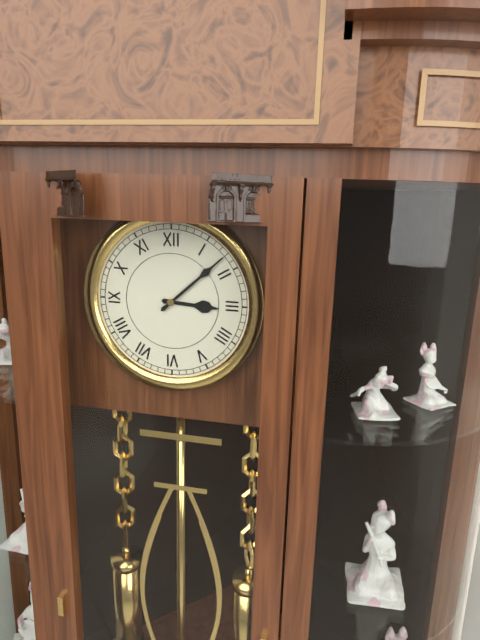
3:08
